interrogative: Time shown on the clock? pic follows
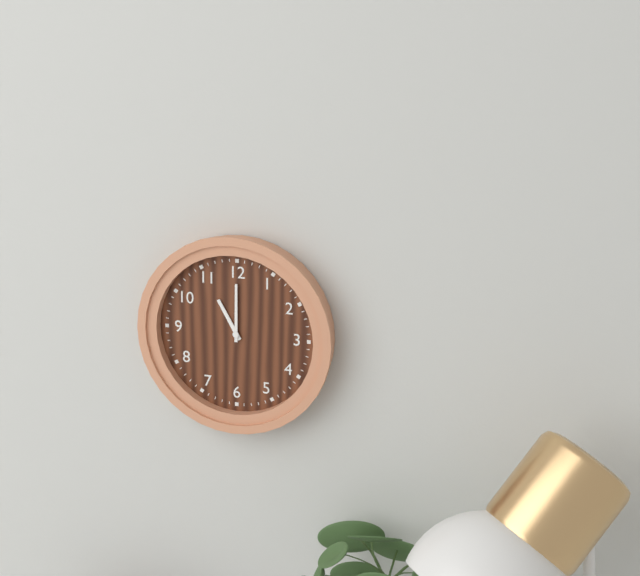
11:00
